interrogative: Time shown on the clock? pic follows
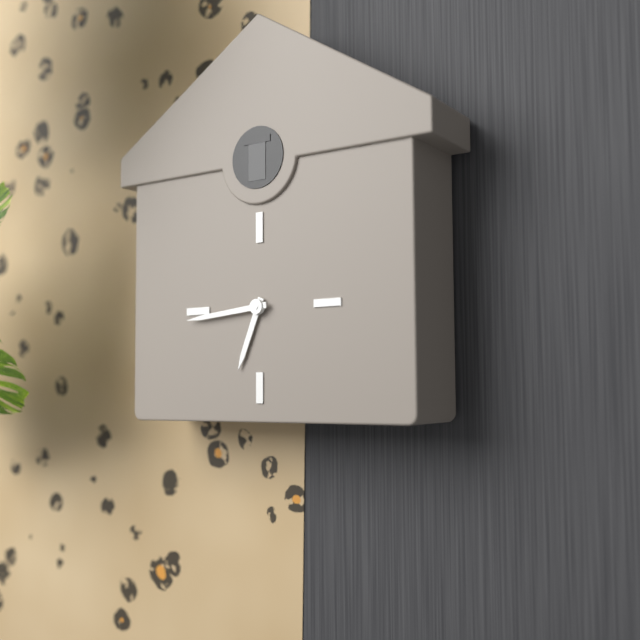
6:44
